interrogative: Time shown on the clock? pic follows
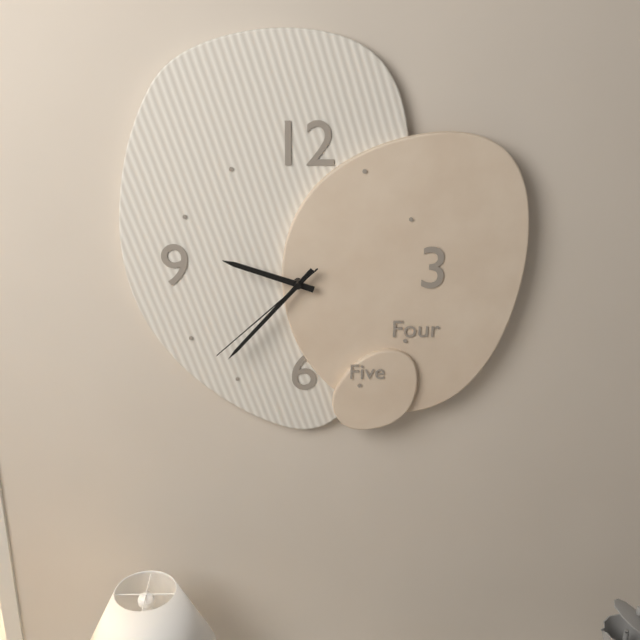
9:37:38
